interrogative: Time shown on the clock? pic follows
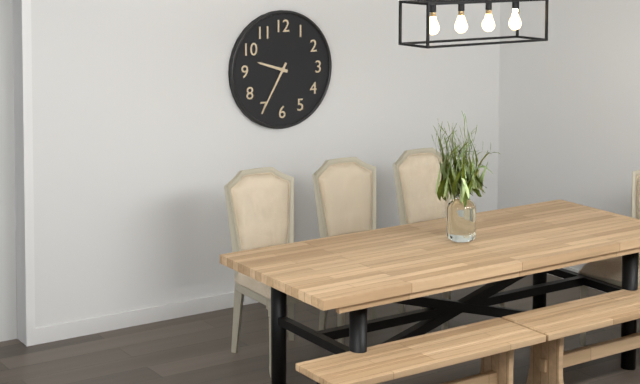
9:35
